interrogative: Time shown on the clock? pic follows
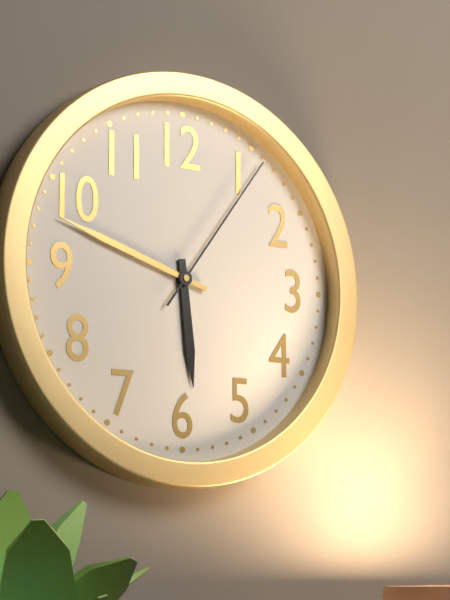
5:48:06
